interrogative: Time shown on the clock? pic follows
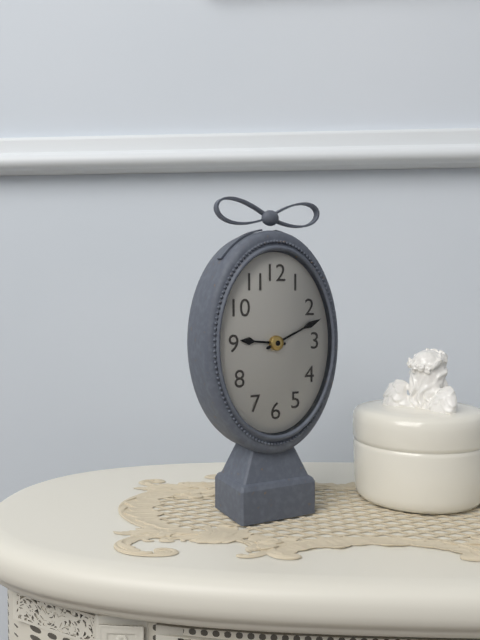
9:11
